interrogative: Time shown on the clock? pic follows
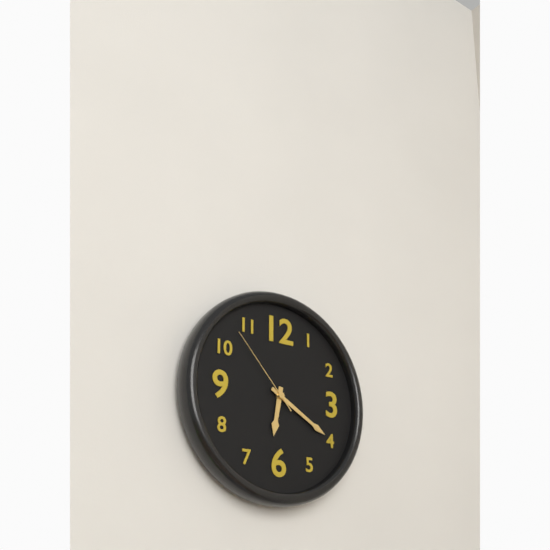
6:20:53
